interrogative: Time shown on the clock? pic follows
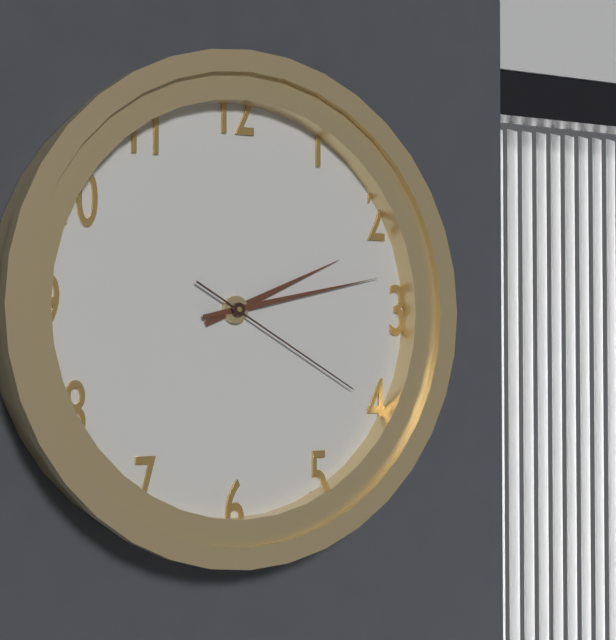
2:13:20
